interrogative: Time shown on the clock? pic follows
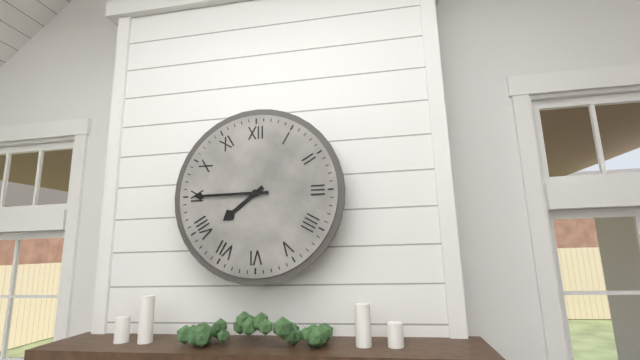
7:45
